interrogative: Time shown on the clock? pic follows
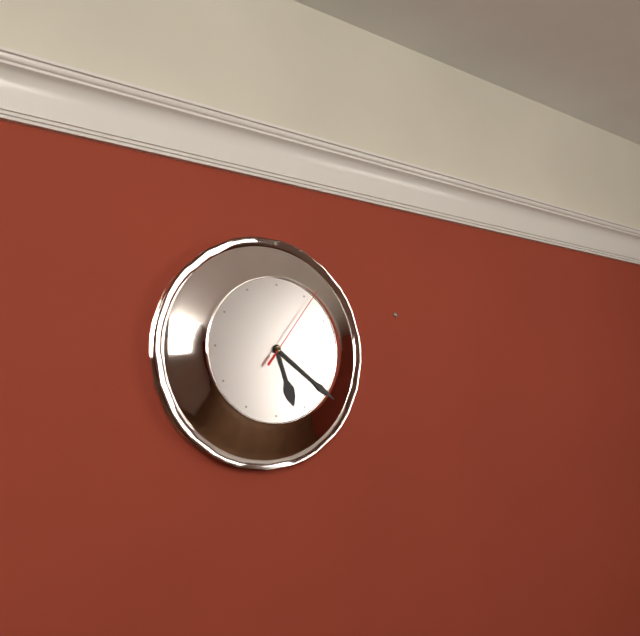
5:21:06
